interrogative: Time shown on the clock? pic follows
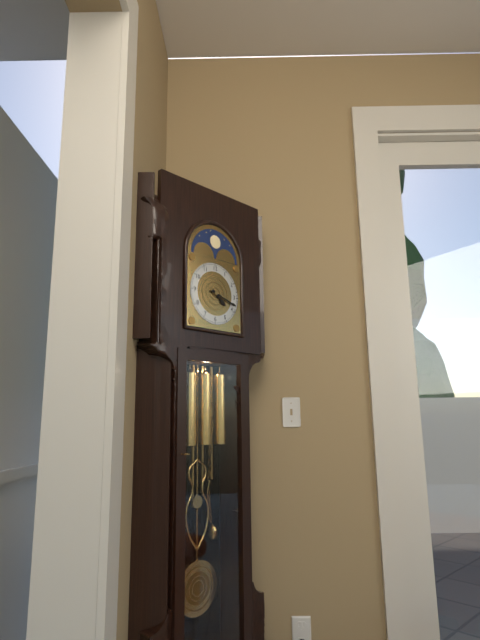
4:18
